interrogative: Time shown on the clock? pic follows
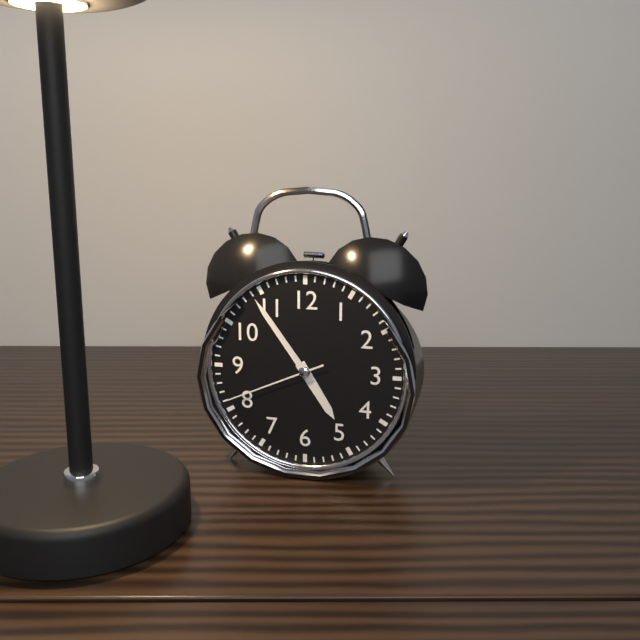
4:54:41
